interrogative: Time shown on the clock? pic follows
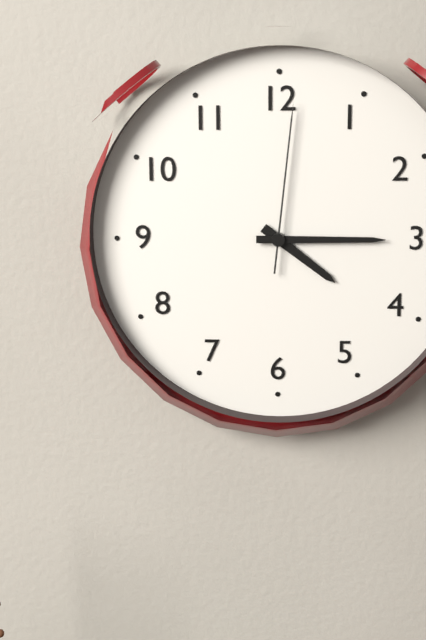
4:15:01
